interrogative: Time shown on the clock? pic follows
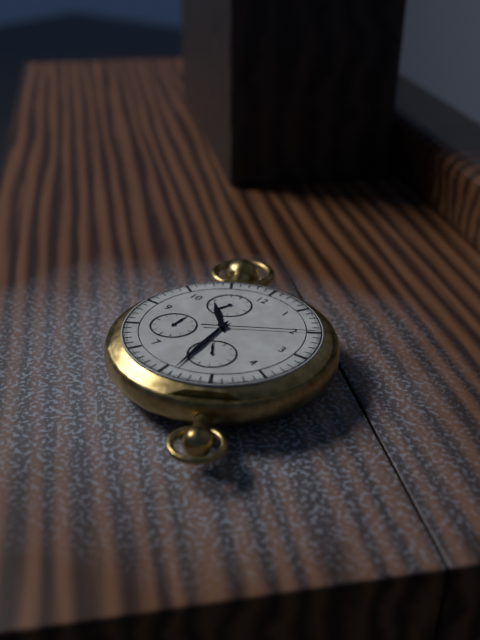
10:29:10
